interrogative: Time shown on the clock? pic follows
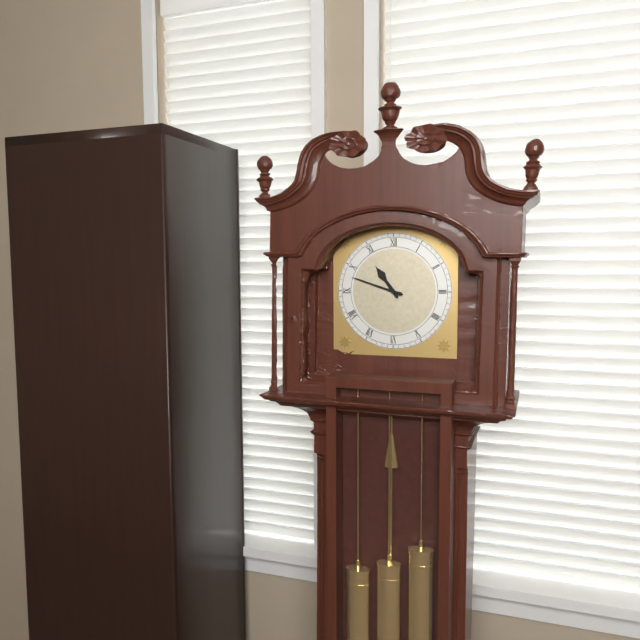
10:48
